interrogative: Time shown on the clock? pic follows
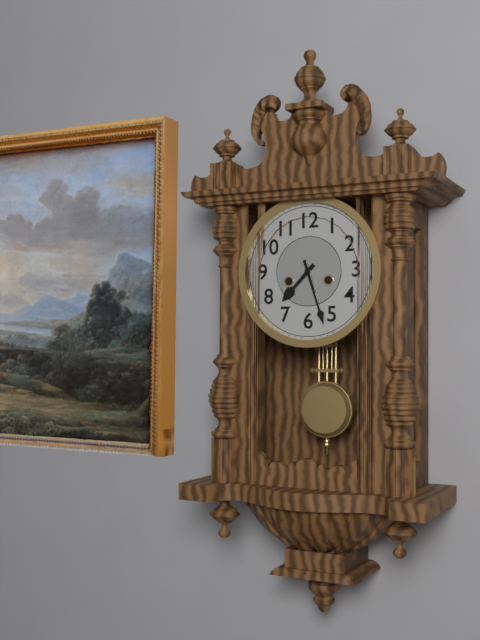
7:27
